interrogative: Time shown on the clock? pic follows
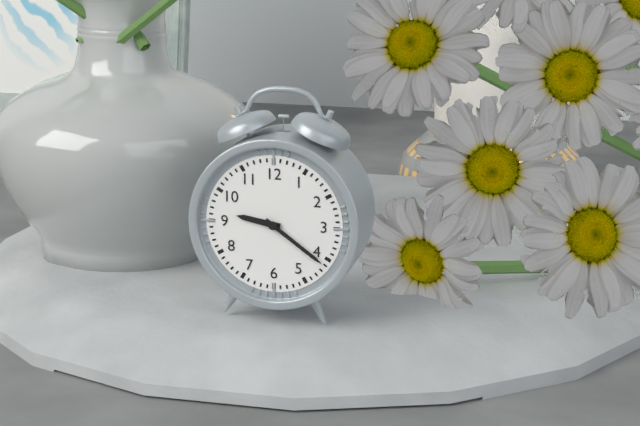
9:21
